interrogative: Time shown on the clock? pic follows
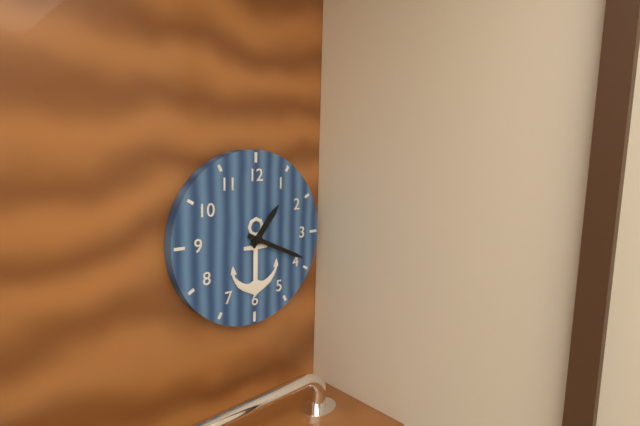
1:19
